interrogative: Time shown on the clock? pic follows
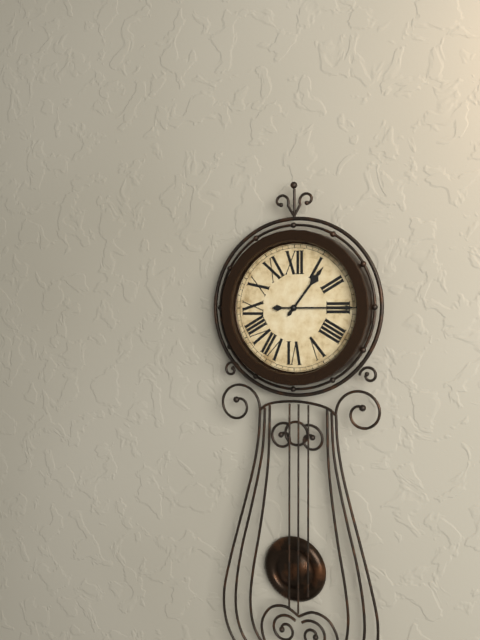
1:15
